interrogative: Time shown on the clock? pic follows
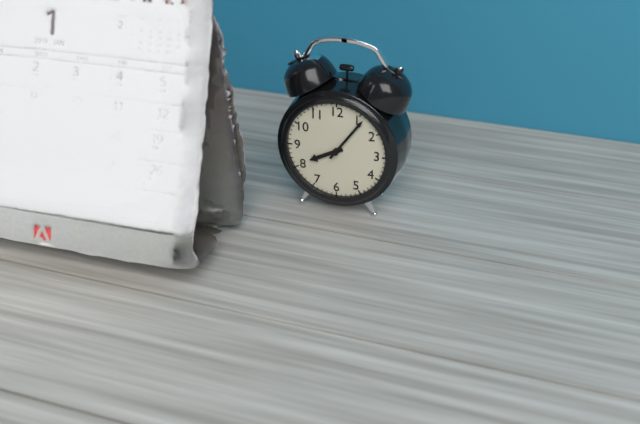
8:06
